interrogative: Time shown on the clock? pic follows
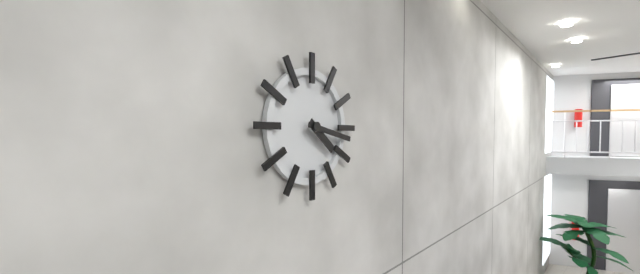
4:17
